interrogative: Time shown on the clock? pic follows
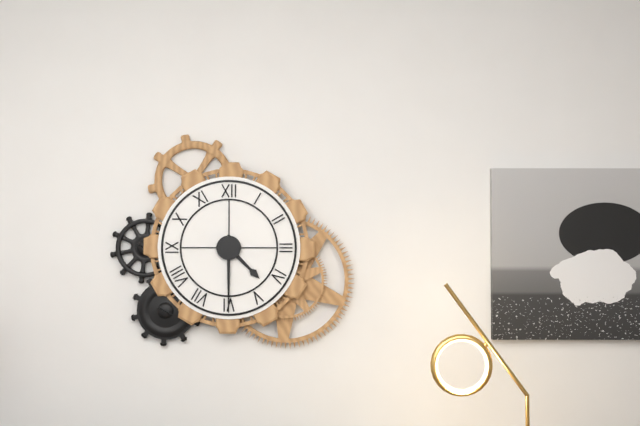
4:30
